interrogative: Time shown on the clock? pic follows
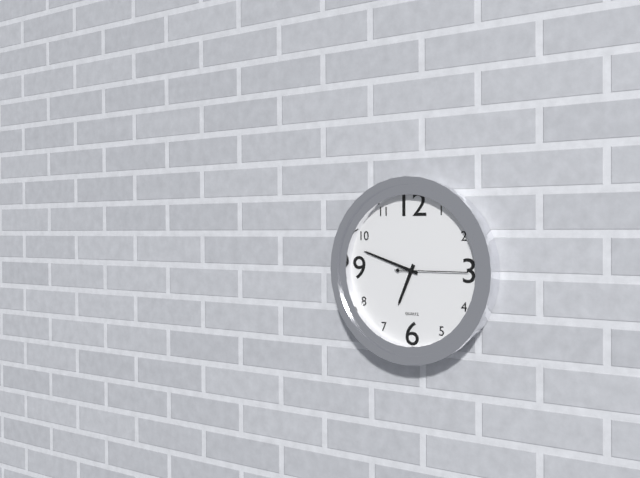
6:48:15
